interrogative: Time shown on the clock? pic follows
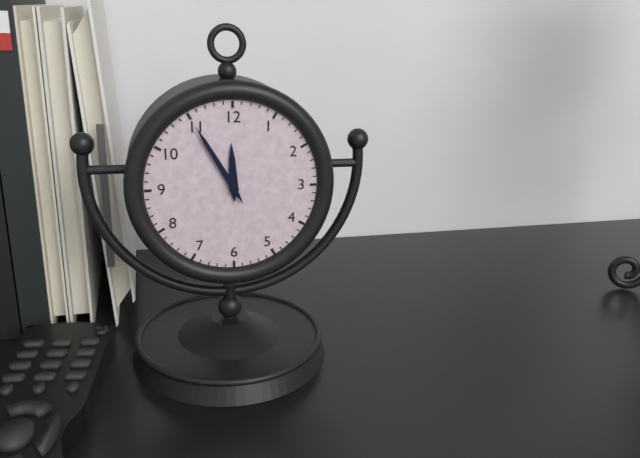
11:55
